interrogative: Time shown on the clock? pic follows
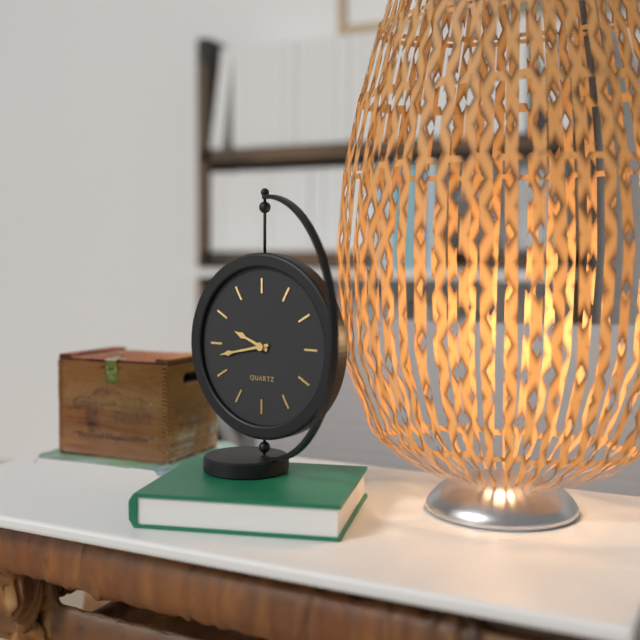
9:43
